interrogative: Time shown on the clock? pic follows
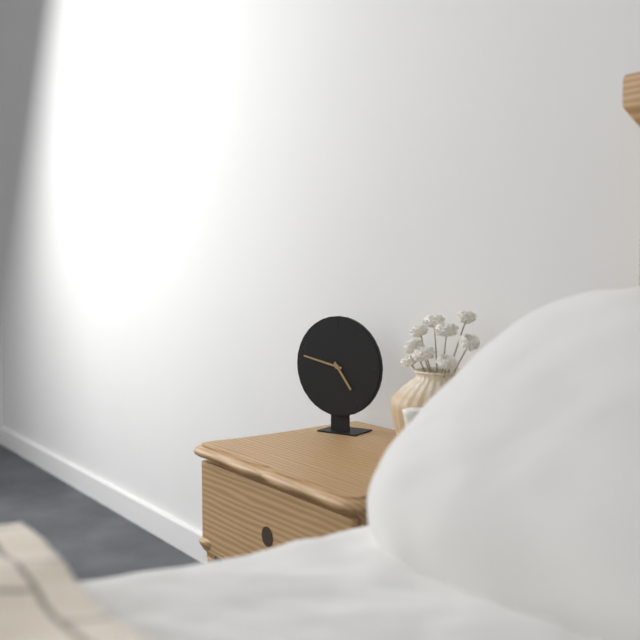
4:47
